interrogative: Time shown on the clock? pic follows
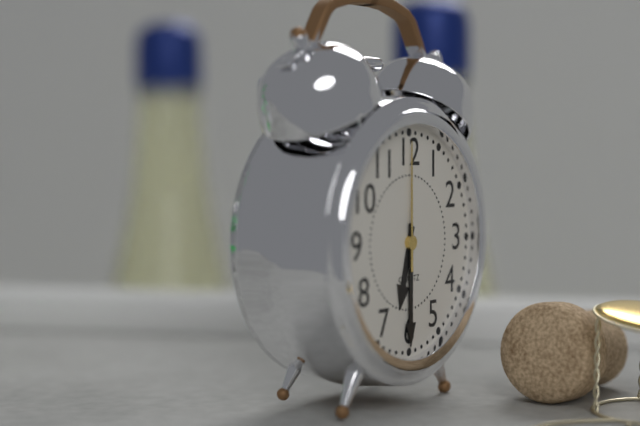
6:30:00
